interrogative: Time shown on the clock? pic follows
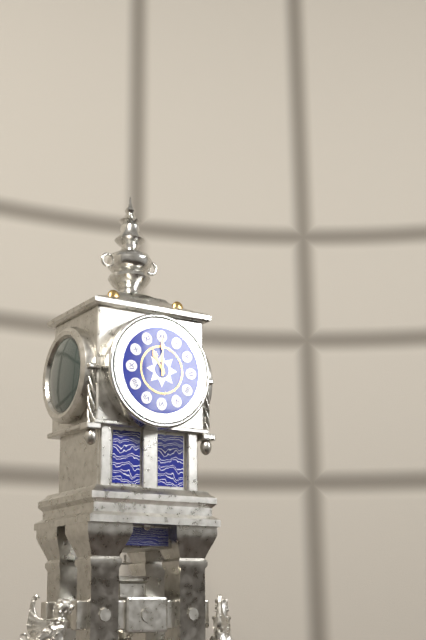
11:00
